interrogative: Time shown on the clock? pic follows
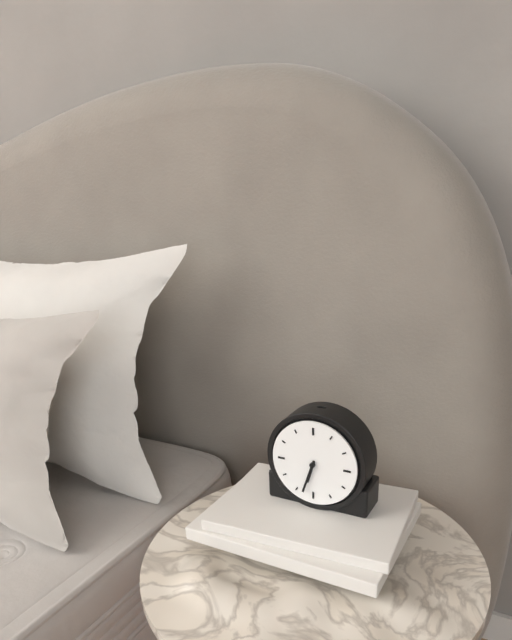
6:33
